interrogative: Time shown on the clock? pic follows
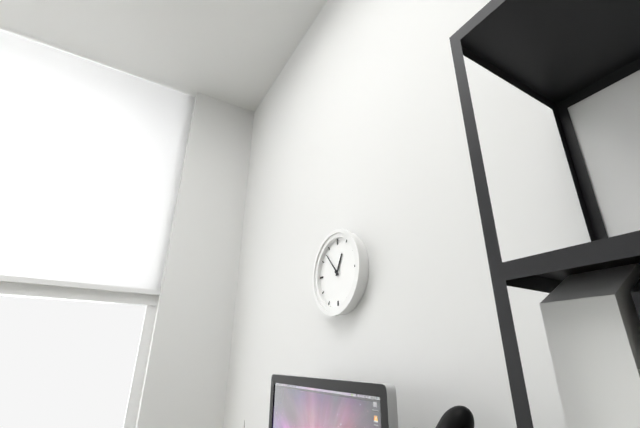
12:53
